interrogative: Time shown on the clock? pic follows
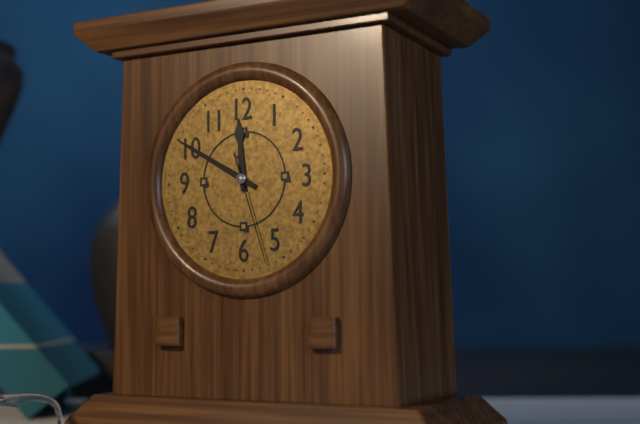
11:50:27
